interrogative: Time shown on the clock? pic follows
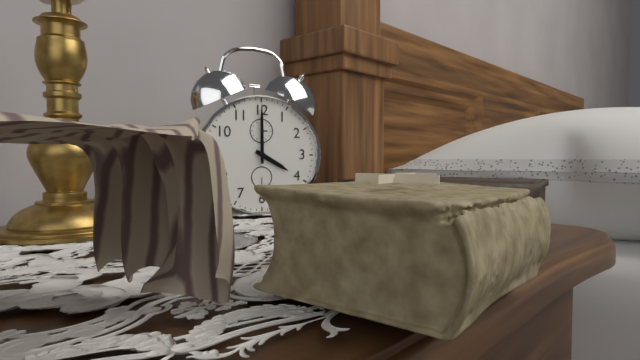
4:00
